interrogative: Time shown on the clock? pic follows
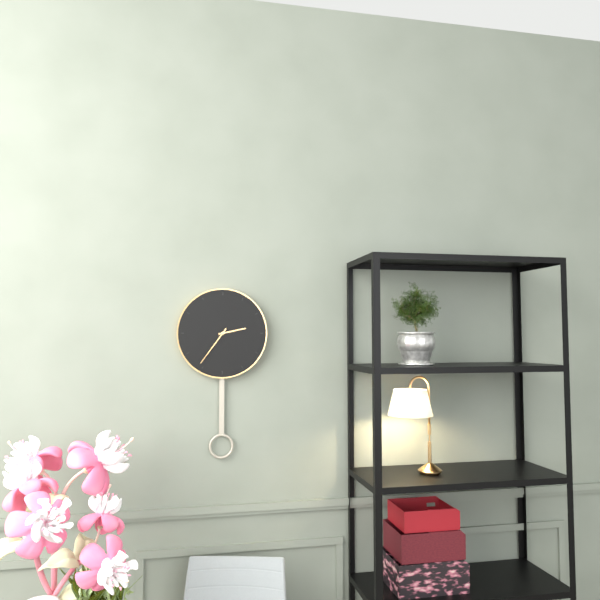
2:36
